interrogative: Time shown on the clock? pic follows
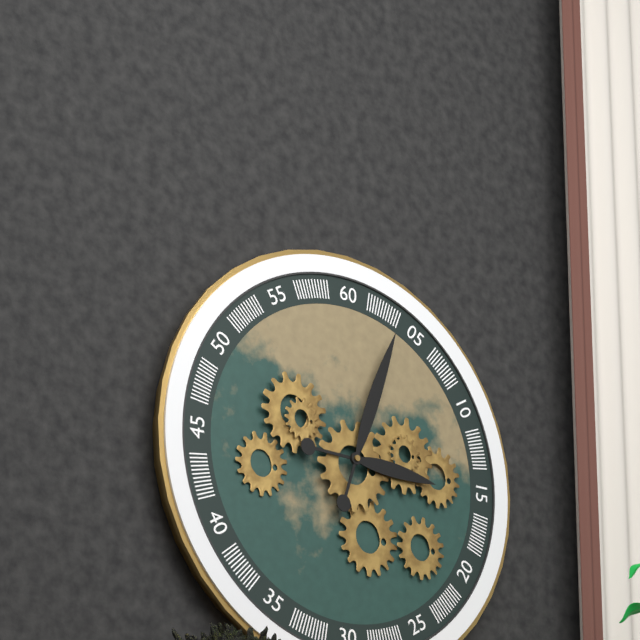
3:03
